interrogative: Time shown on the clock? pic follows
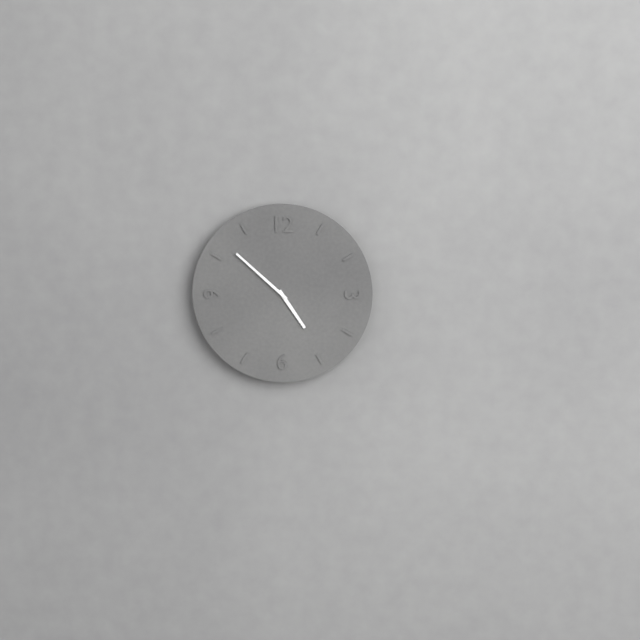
4:52
